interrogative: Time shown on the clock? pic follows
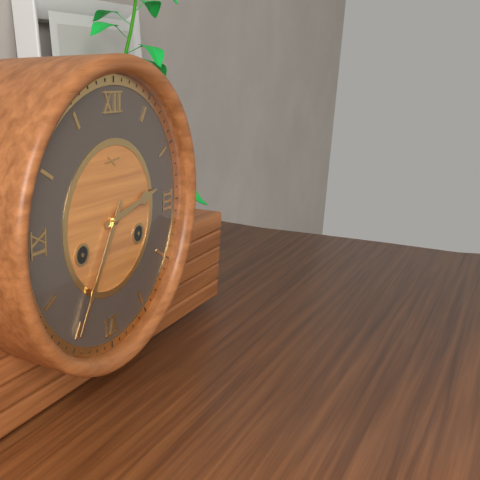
2:35
